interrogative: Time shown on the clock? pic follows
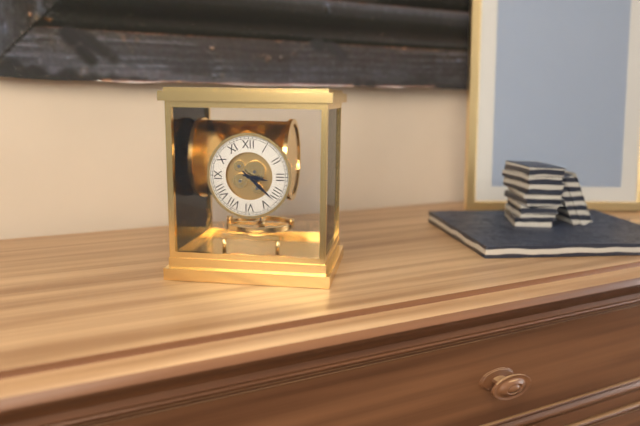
3:22
